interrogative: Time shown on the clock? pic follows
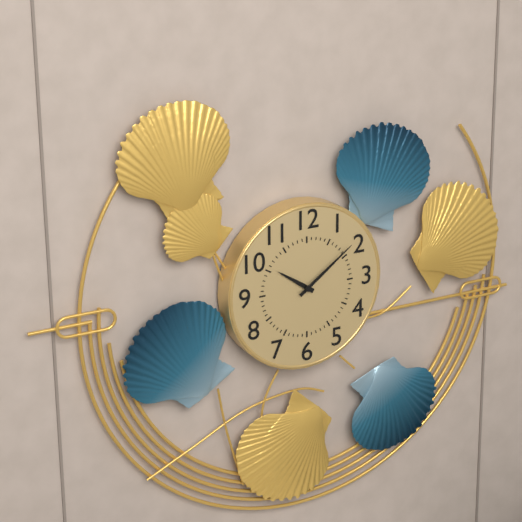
10:09
